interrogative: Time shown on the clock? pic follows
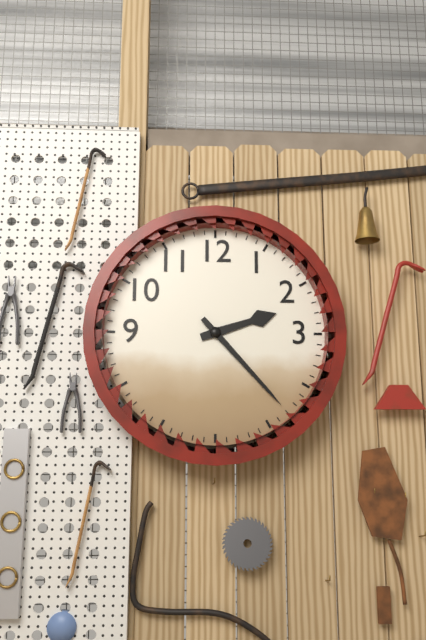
2:23
